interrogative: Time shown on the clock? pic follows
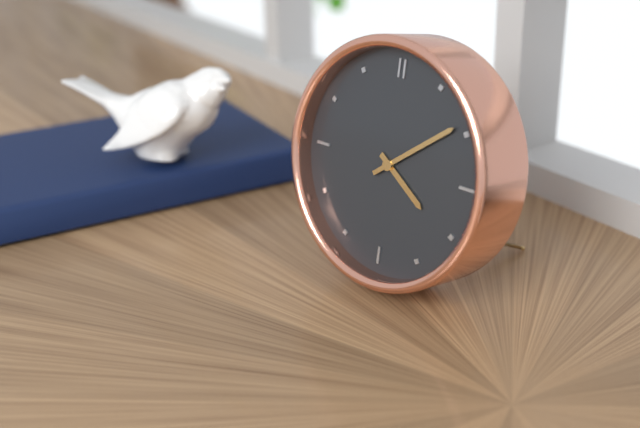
4:09
